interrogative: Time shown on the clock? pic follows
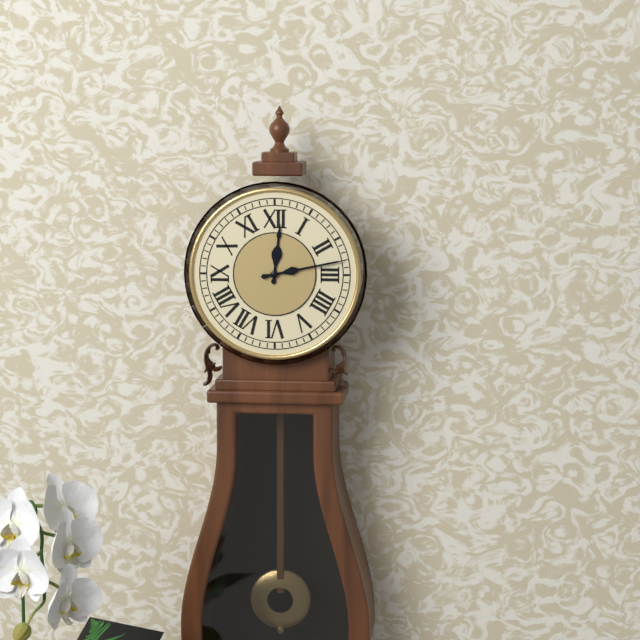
12:13
